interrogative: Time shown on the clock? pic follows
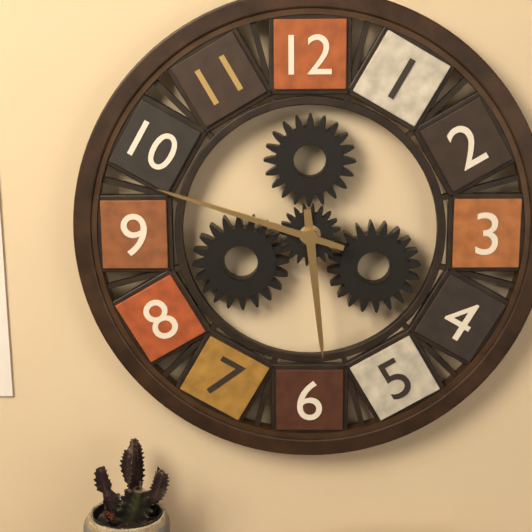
5:48
